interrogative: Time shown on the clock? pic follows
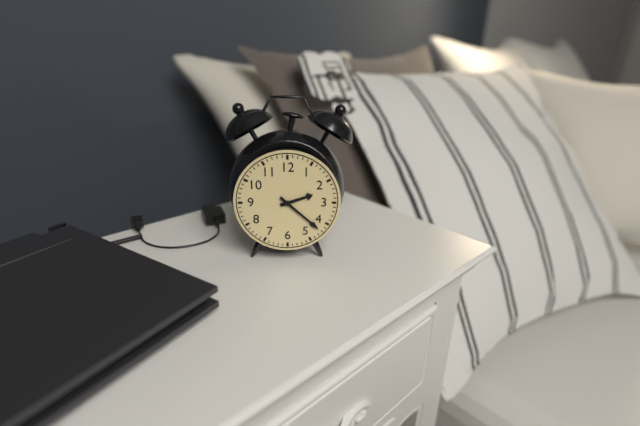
2:22
